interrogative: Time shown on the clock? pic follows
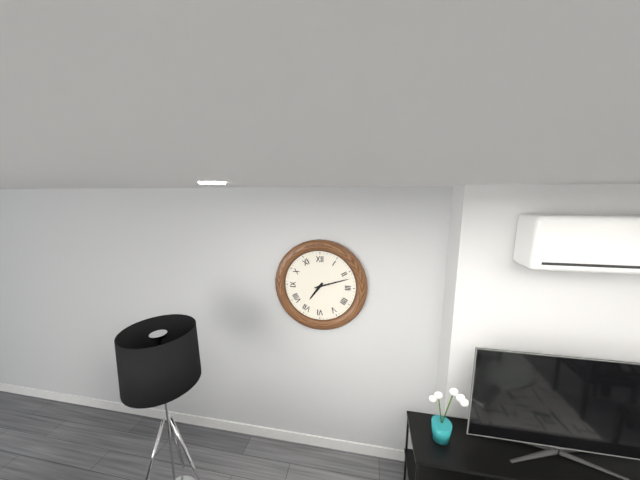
7:12
